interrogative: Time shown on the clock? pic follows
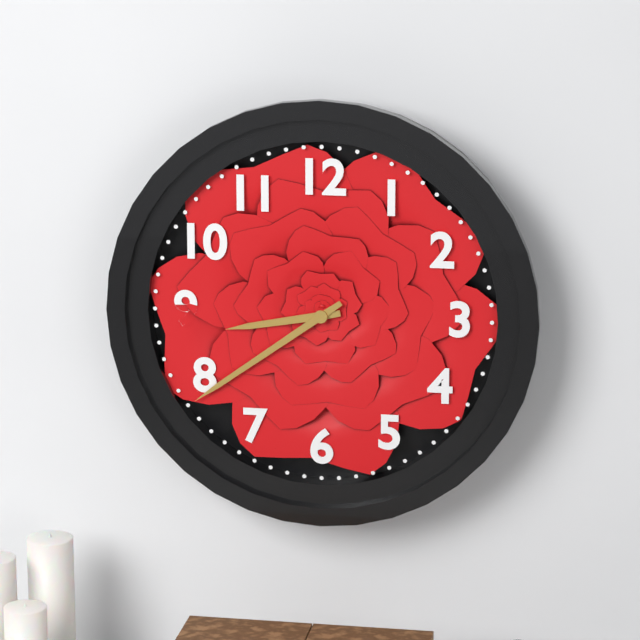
8:39
